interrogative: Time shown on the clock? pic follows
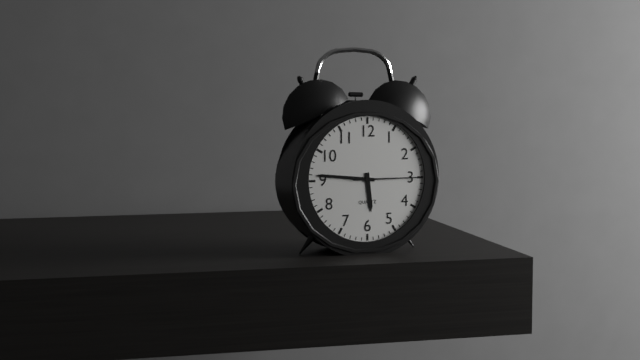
5:46:15
